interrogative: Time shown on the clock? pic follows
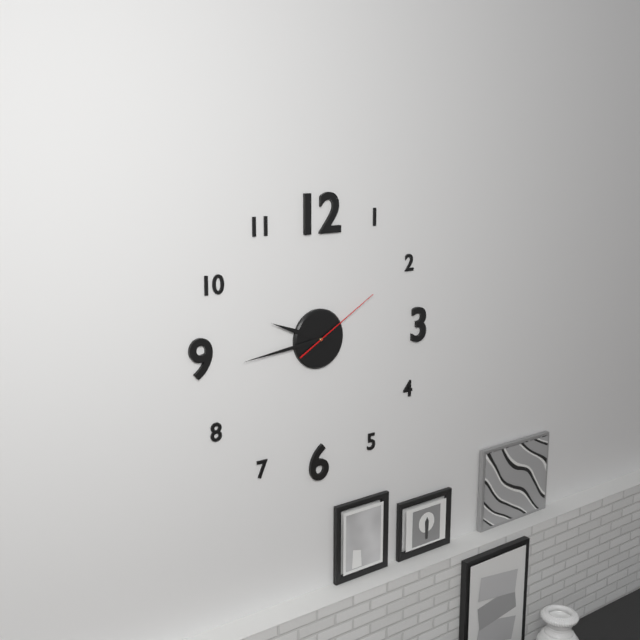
9:44:10
